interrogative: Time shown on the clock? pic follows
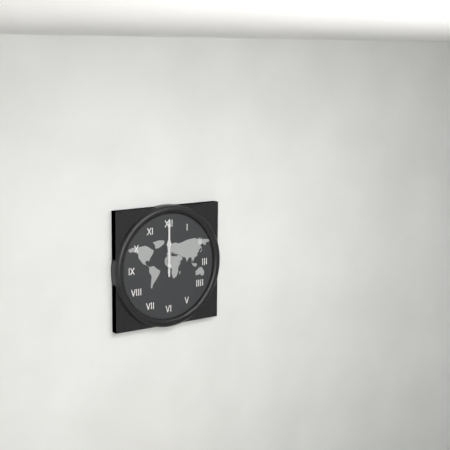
12:00
